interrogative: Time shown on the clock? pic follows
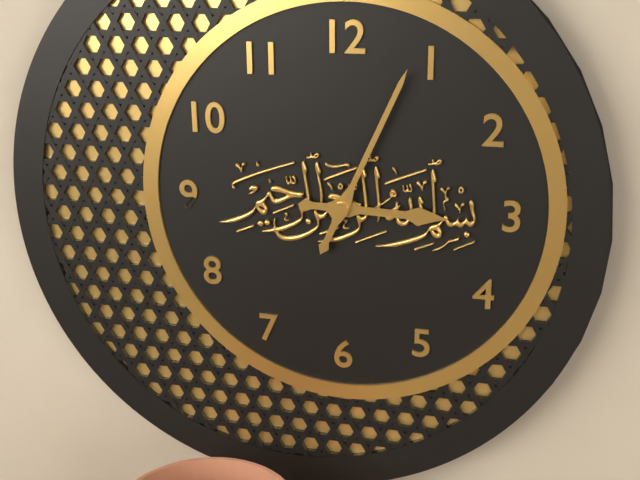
3:04
